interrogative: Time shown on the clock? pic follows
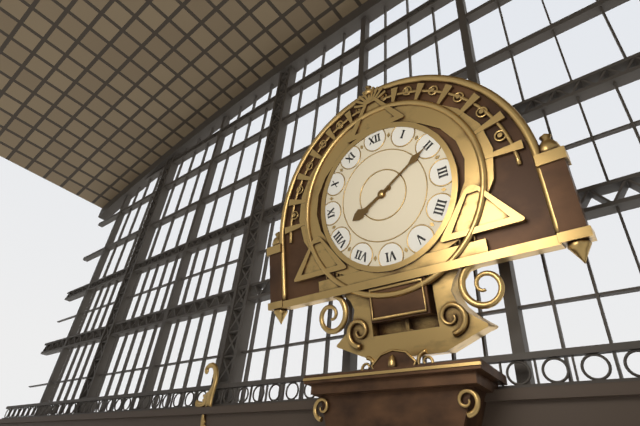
8:10
